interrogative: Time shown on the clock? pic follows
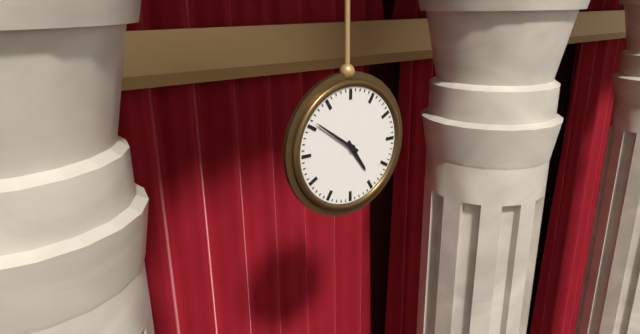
4:51
